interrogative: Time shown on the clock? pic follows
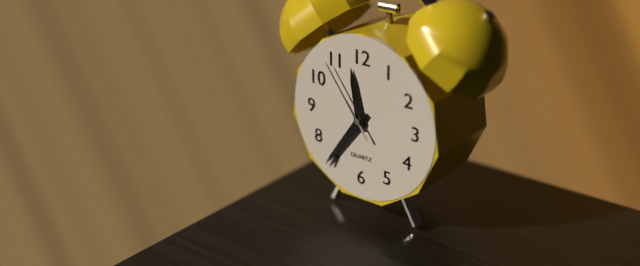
11:36:54
